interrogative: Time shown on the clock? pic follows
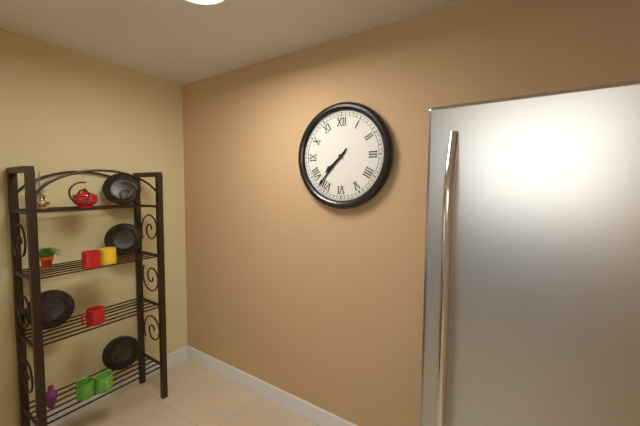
7:37
